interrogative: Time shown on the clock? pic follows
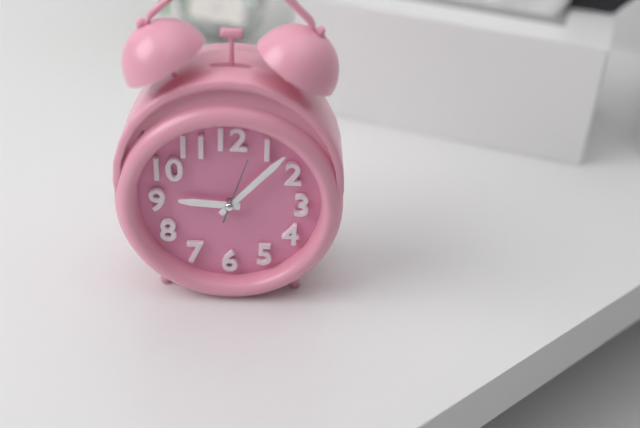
9:07:03
